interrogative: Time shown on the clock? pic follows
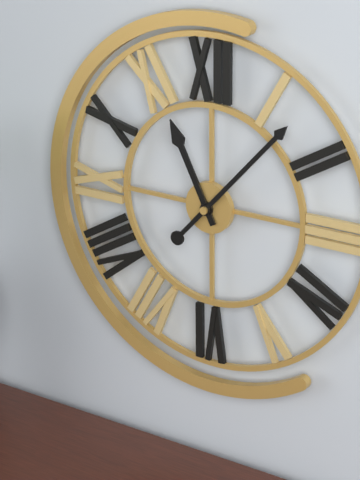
11:07
